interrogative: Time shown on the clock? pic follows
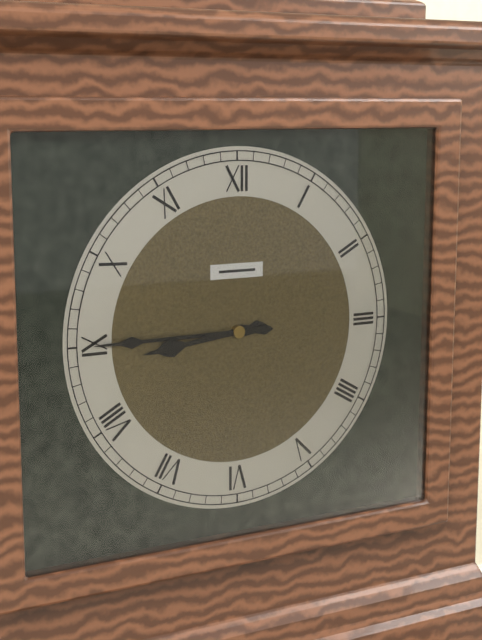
8:45
